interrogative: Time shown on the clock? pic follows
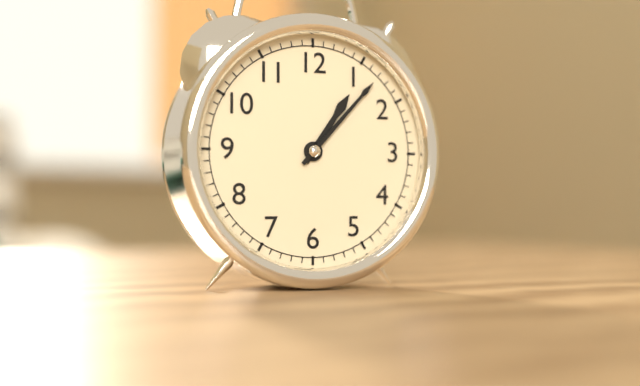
1:07
